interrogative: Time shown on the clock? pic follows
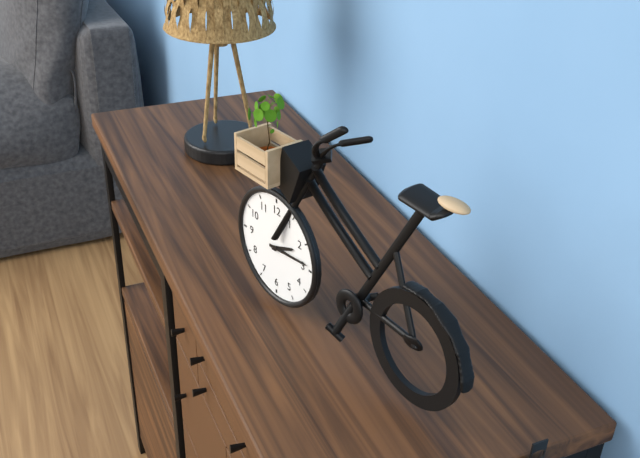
2:14
